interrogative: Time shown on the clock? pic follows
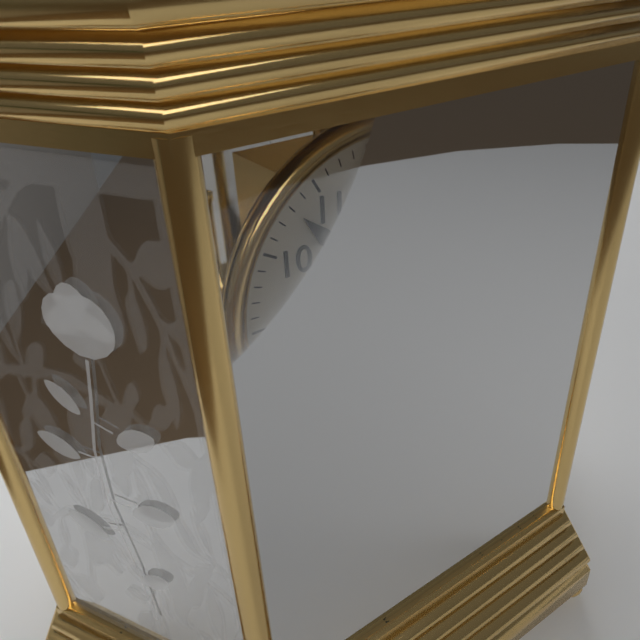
1:53
